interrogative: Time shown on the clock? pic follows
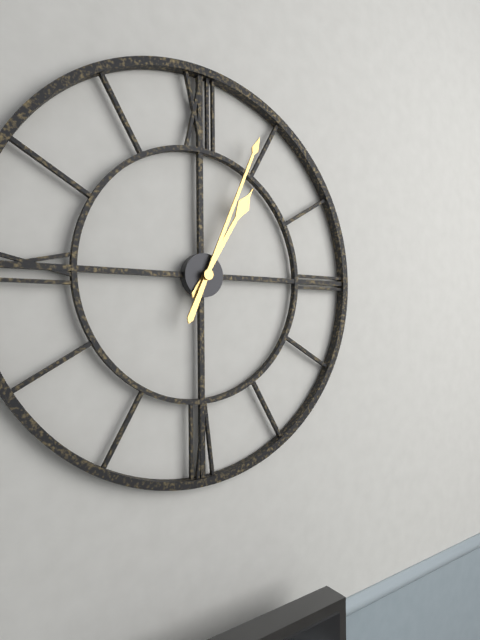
1:04
